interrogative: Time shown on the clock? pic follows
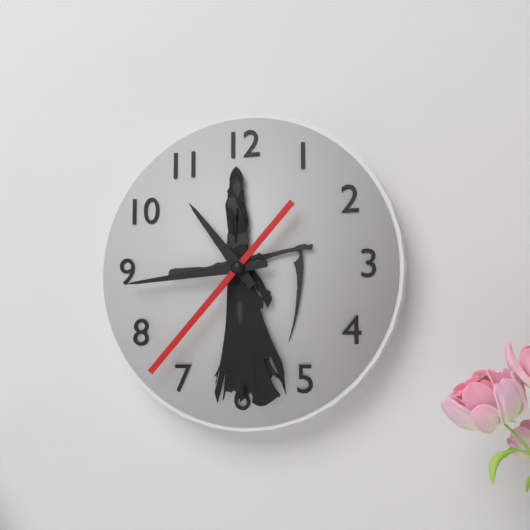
10:44:37
